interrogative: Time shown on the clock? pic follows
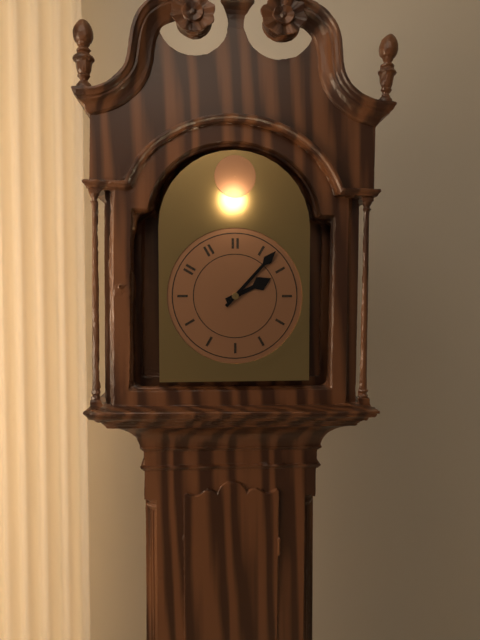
2:07
